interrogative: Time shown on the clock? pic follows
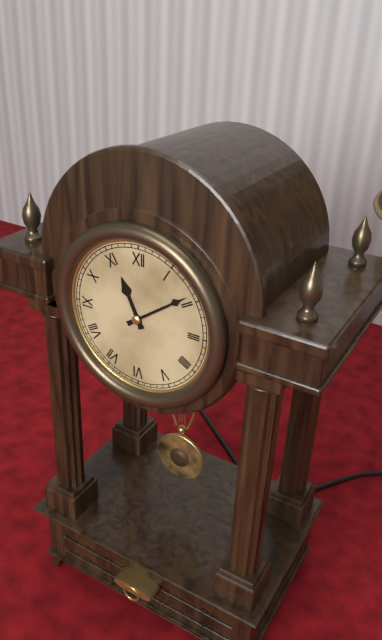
11:09
